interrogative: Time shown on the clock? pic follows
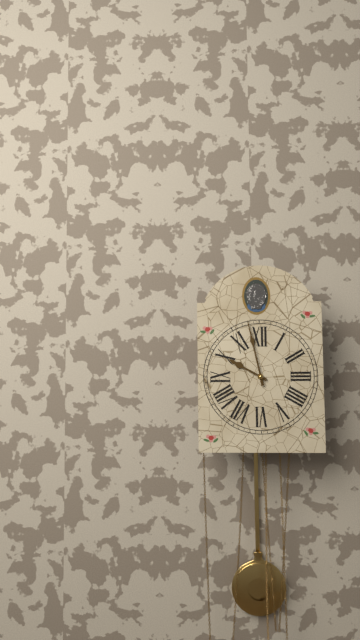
9:58
